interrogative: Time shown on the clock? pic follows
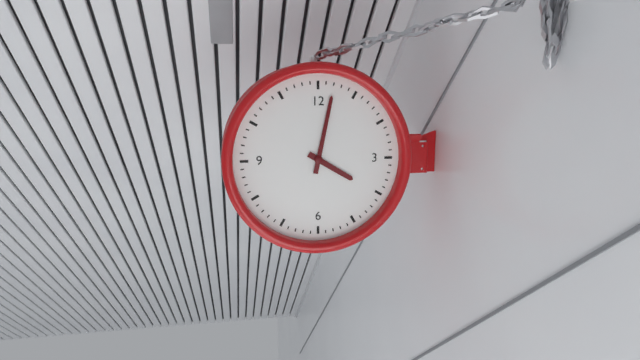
4:02
